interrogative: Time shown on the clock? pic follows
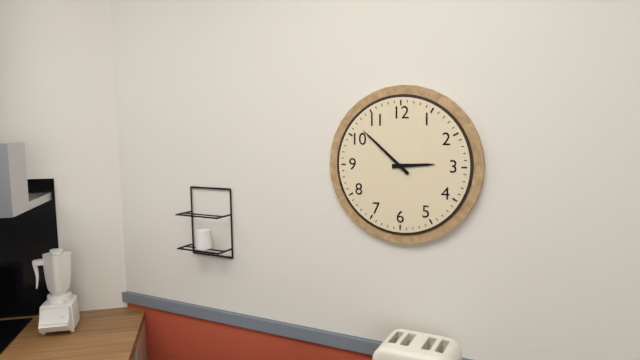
2:52
